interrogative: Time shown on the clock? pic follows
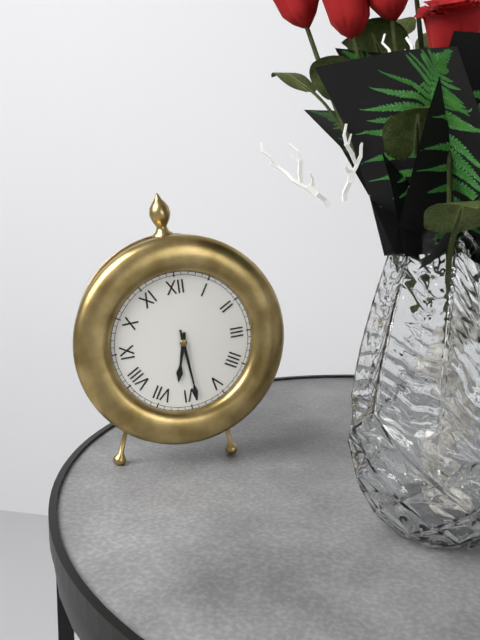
6:29
